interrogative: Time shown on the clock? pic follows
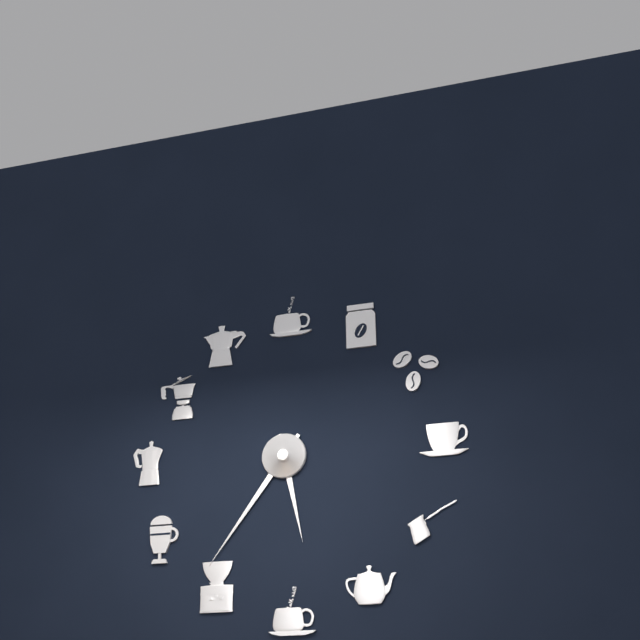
5:36
